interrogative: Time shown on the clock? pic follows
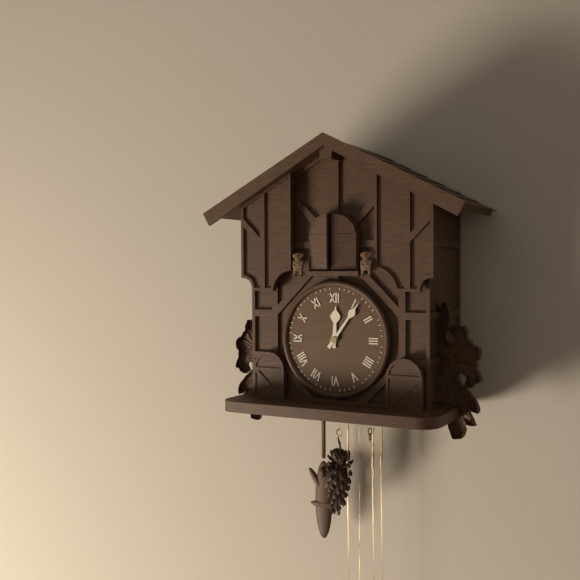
12:06
